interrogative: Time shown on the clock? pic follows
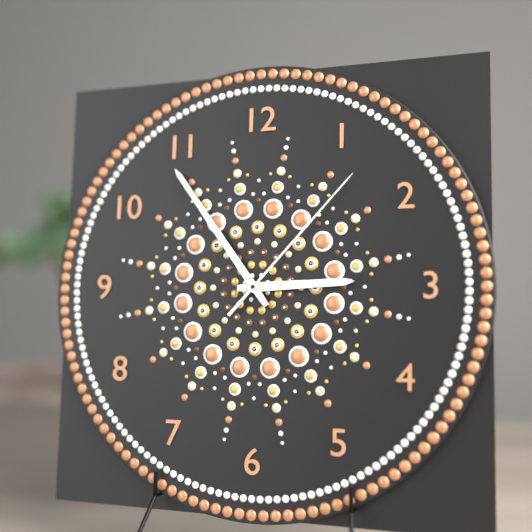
2:54:07
